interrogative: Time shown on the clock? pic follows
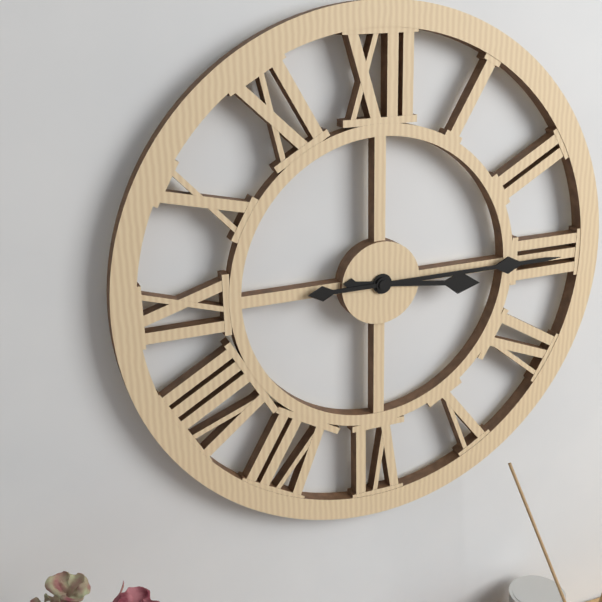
3:15
